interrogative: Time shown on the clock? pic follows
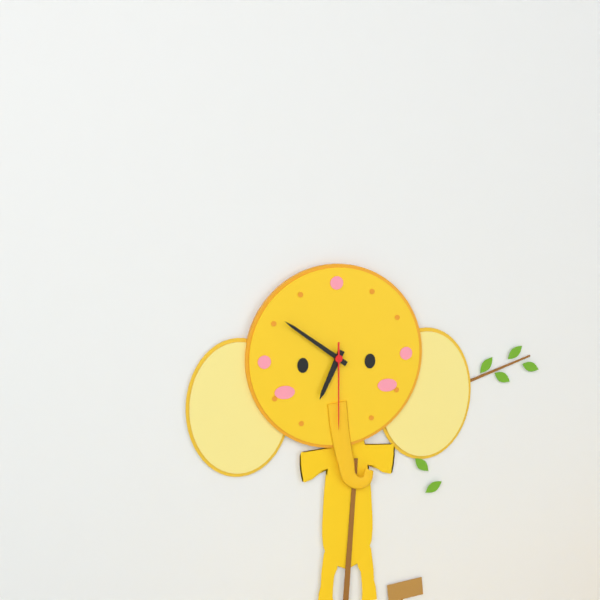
6:51:30
